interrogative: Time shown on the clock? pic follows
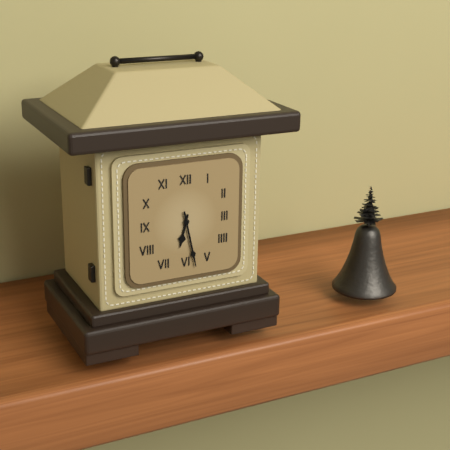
6:28
